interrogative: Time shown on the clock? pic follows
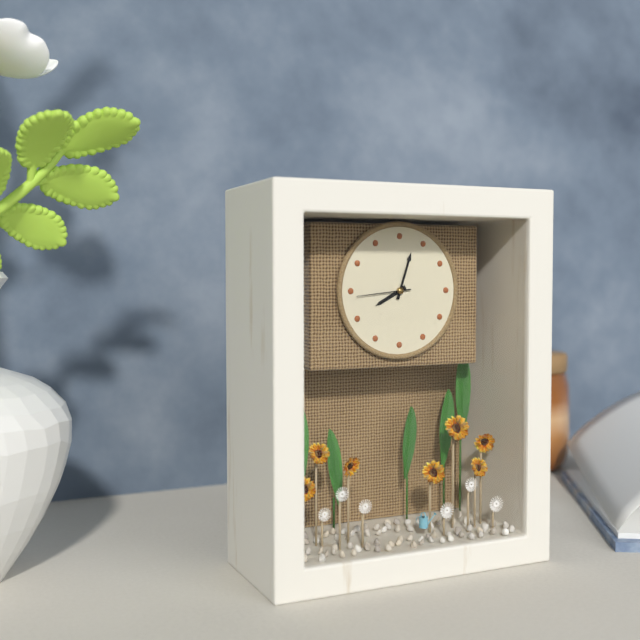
8:03:44
